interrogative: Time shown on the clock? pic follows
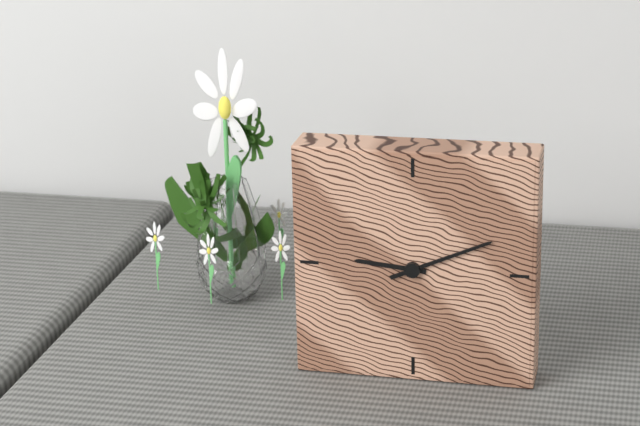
9:11
